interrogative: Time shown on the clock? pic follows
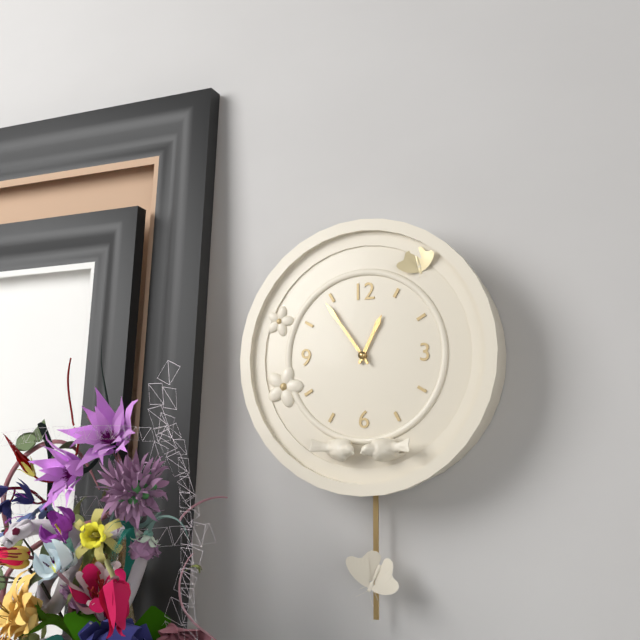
12:54
